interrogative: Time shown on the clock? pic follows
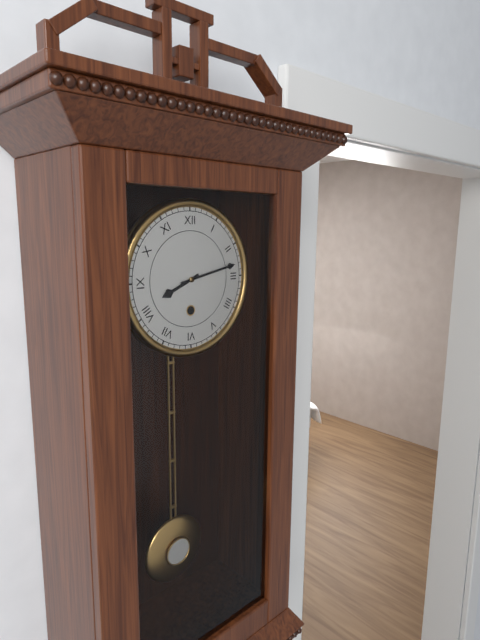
8:13
